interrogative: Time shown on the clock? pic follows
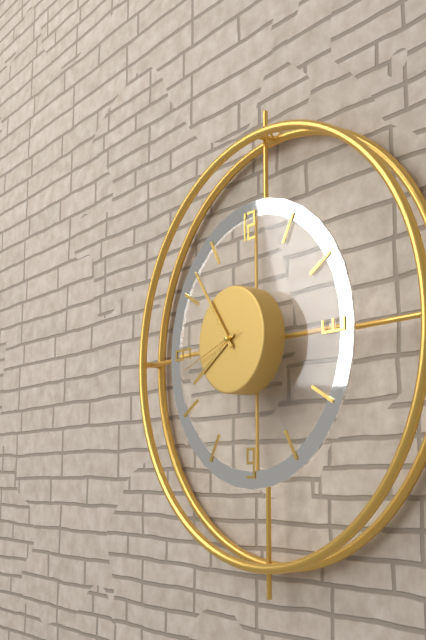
7:54:42
